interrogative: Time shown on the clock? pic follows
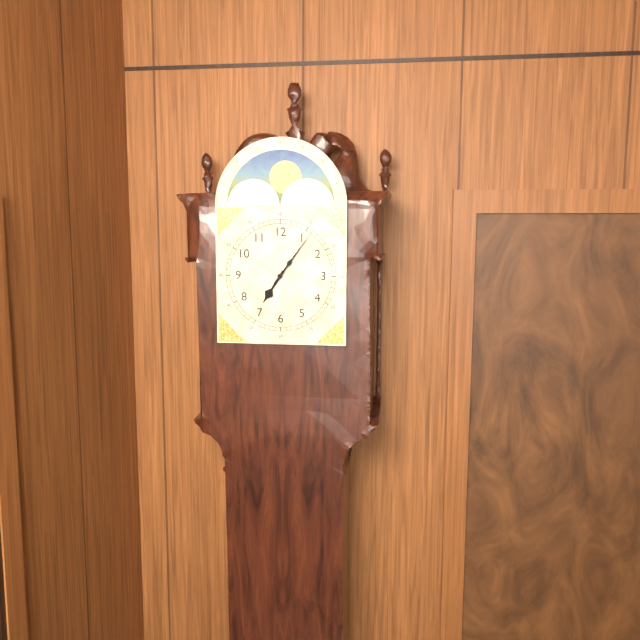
7:06
